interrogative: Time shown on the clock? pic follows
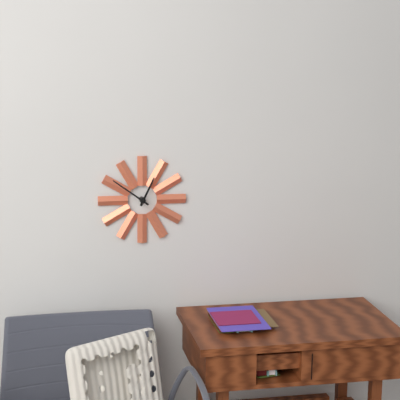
12:51
